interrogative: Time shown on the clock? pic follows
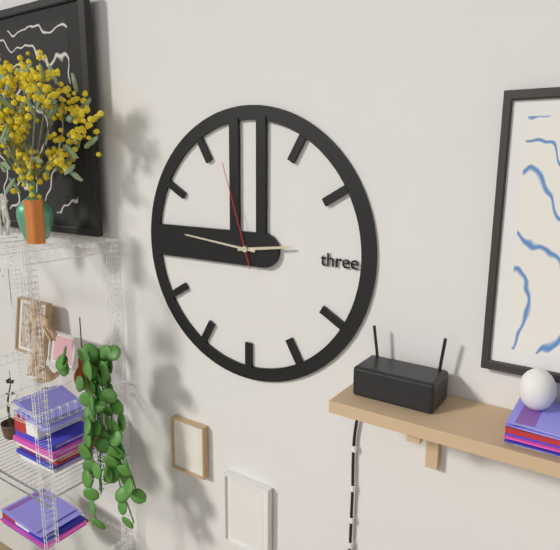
2:46:57
